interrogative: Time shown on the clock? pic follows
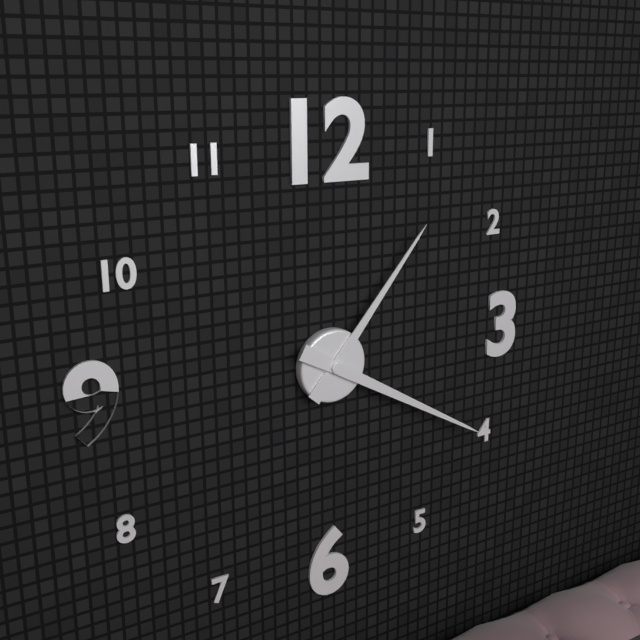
1:20
